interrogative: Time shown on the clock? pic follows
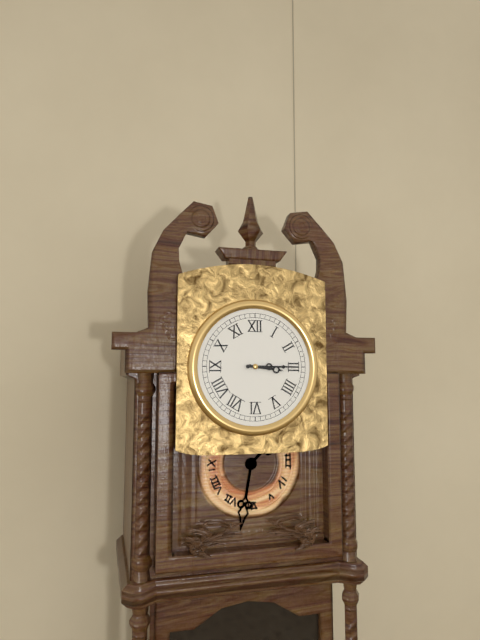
3:15
